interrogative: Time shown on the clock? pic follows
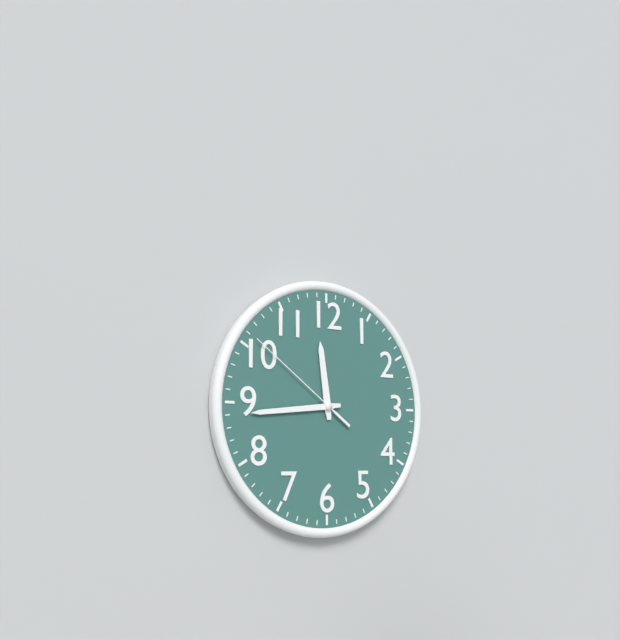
11:44:51
